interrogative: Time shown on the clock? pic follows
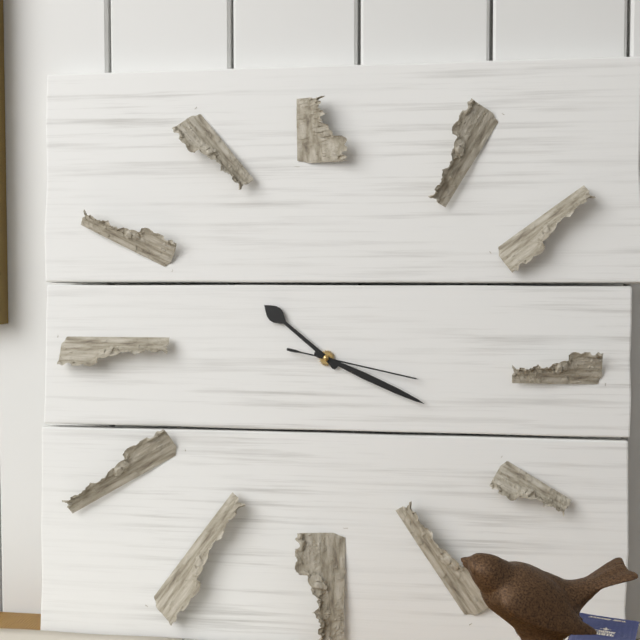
10:19:17
